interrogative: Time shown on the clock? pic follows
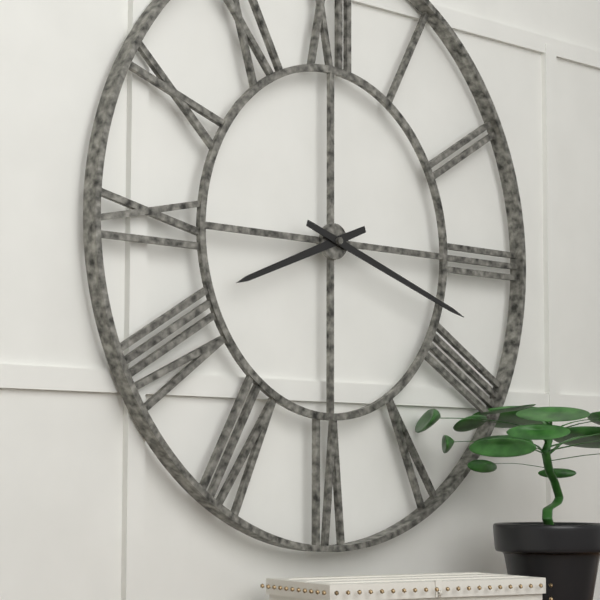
8:18
